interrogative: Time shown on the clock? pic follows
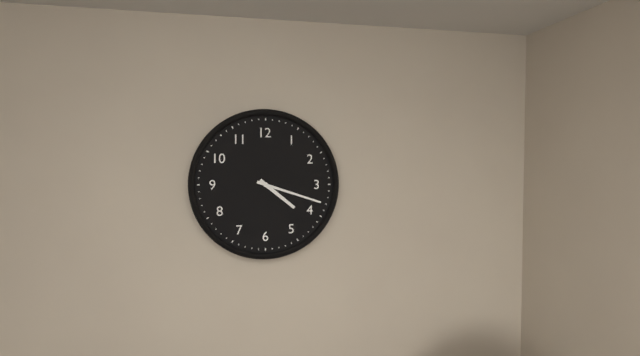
4:18
